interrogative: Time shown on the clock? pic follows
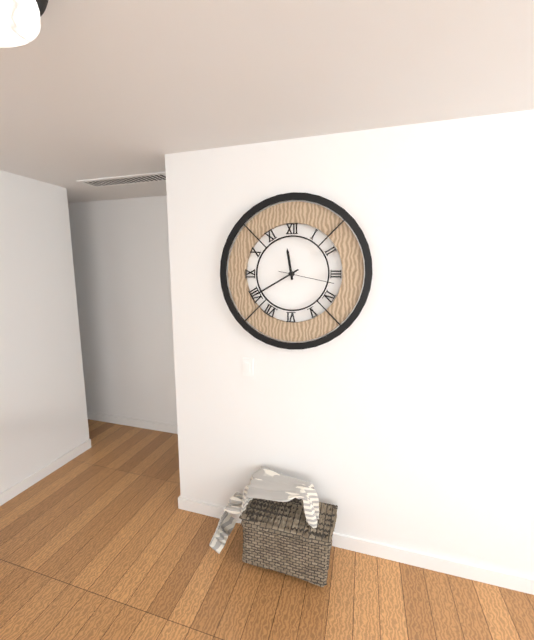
11:40:17
